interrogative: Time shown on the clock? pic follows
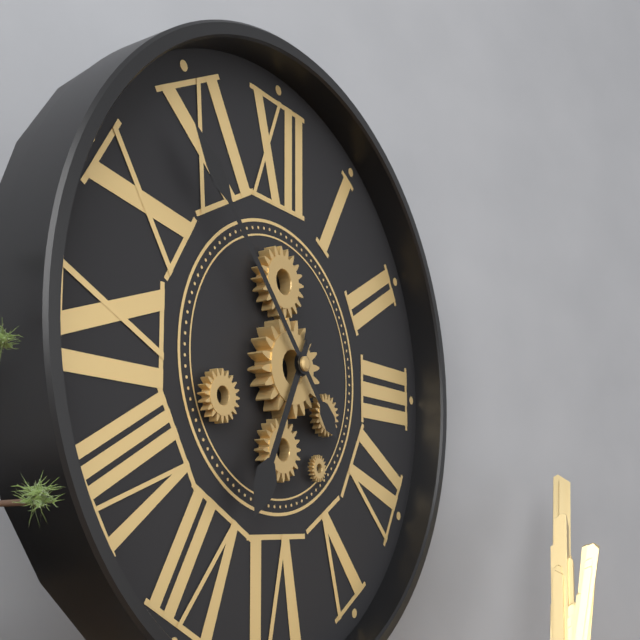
6:53
